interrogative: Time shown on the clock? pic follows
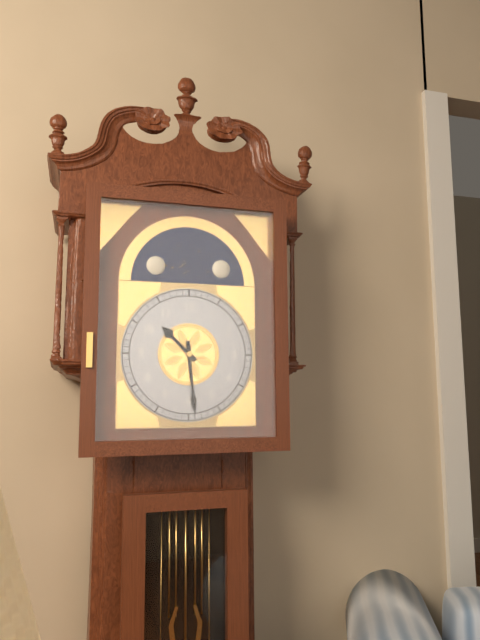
10:29
